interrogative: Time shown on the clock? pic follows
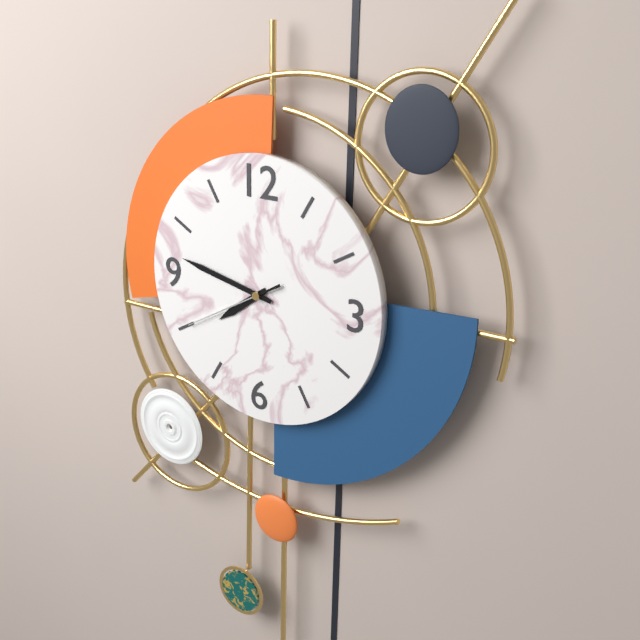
7:47:40
